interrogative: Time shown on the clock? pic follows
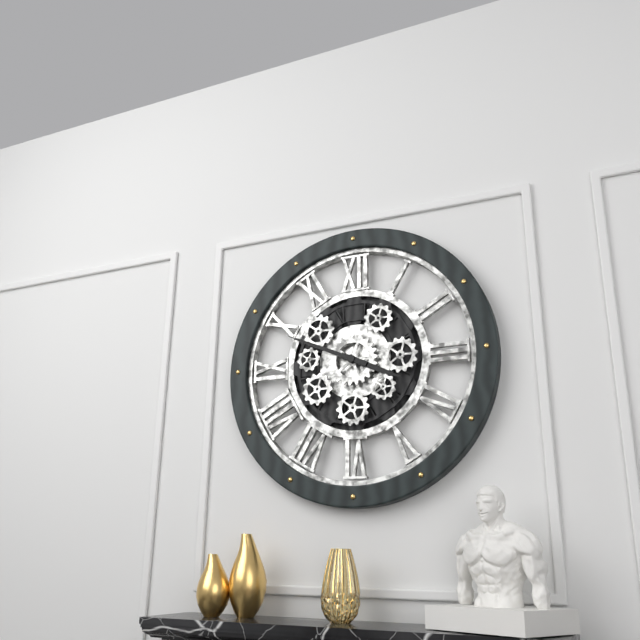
3:49
